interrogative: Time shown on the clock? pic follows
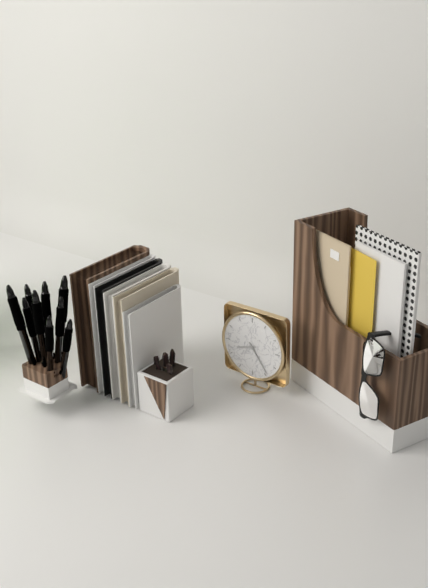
8:24
